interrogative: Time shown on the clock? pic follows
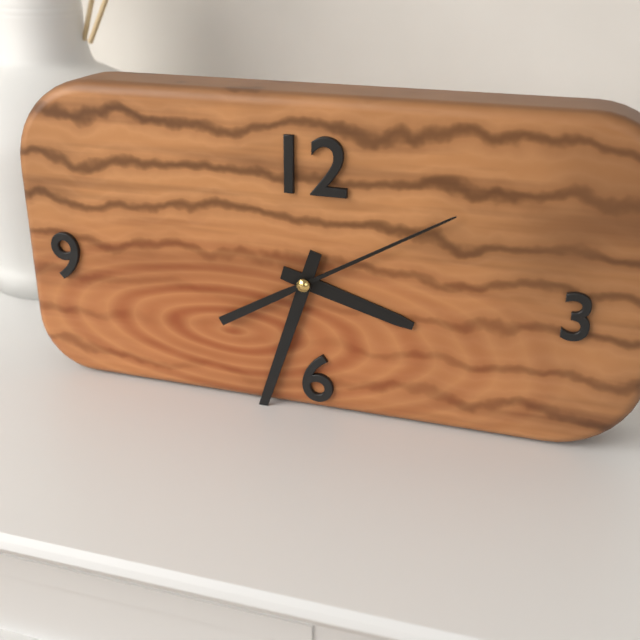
3:33:10
